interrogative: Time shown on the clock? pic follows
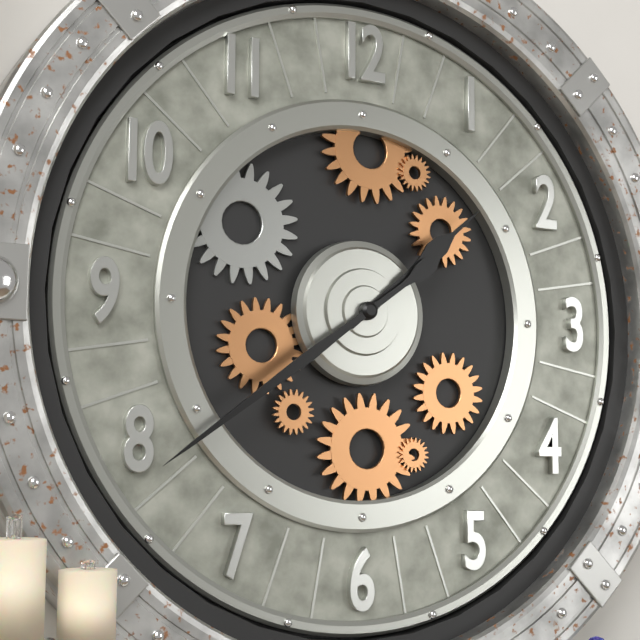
1:39
